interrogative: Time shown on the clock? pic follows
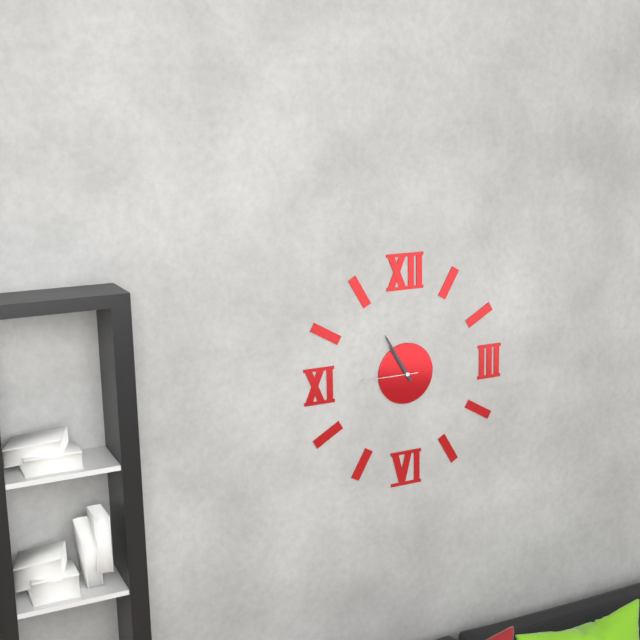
10:55:45
